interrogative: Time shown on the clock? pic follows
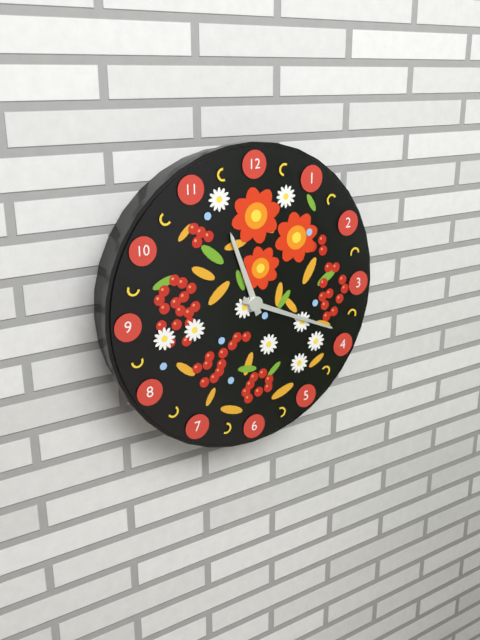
11:19
